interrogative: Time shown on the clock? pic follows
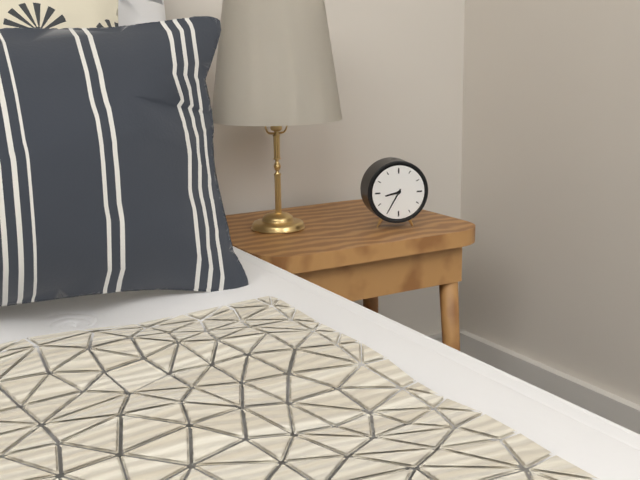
8:35
